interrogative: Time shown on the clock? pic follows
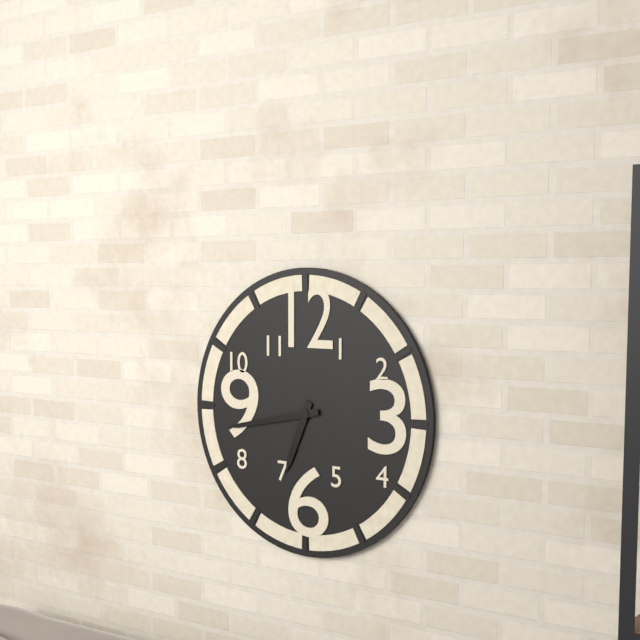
6:43
